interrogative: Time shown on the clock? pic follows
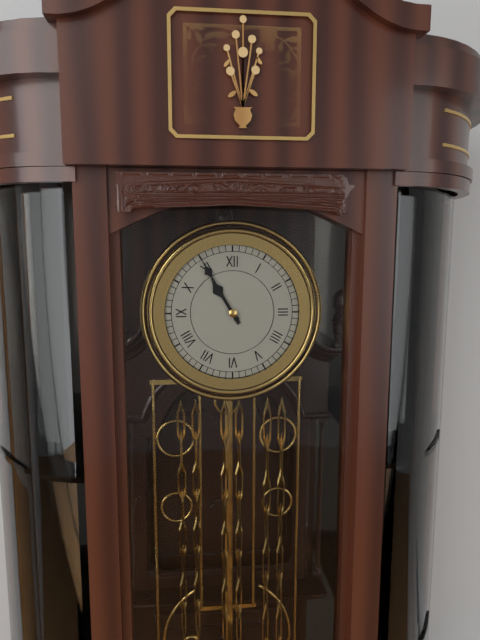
10:55
